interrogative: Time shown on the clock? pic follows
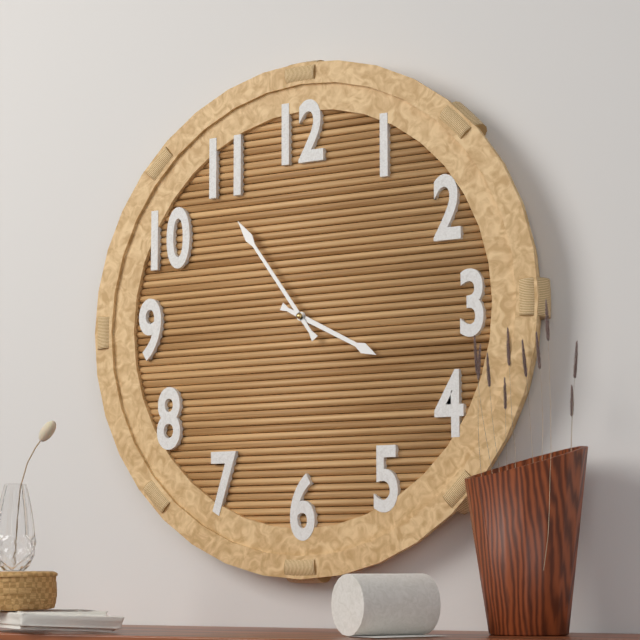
3:54
